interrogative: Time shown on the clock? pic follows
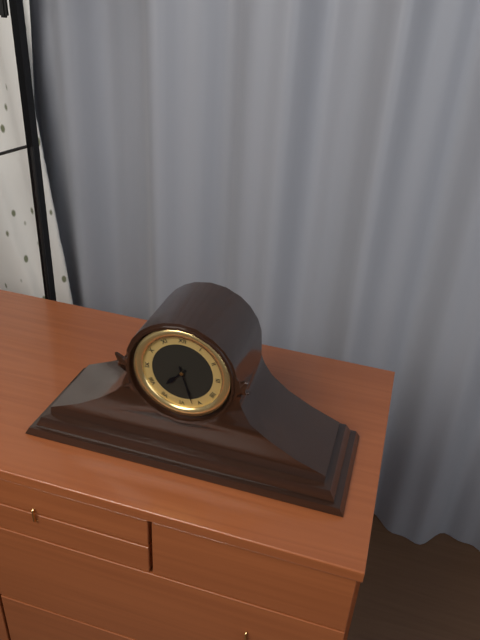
7:27
